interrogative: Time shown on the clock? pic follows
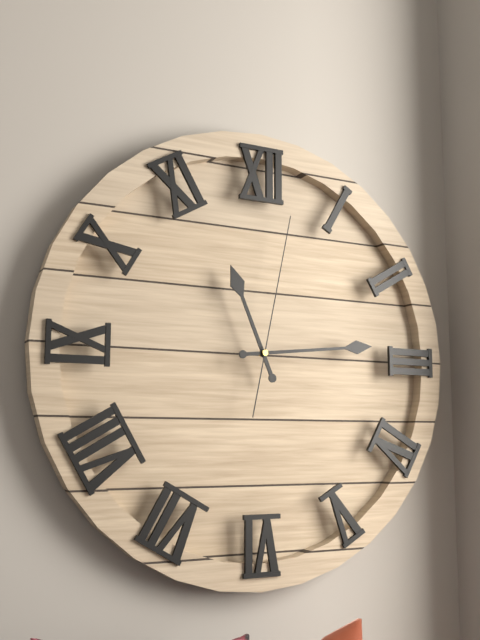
11:14:02
